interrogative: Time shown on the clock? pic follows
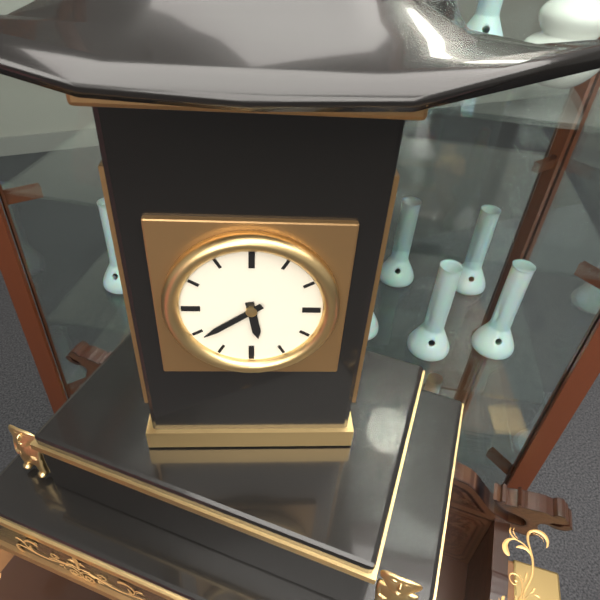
5:39
